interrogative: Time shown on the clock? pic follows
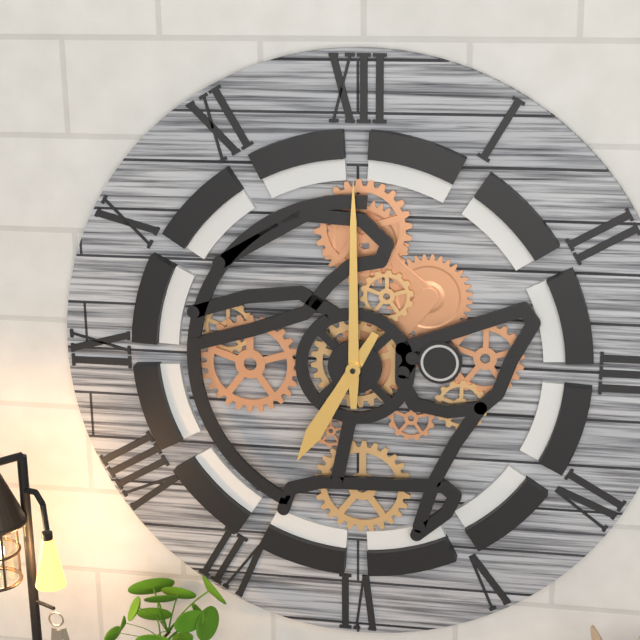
7:00
